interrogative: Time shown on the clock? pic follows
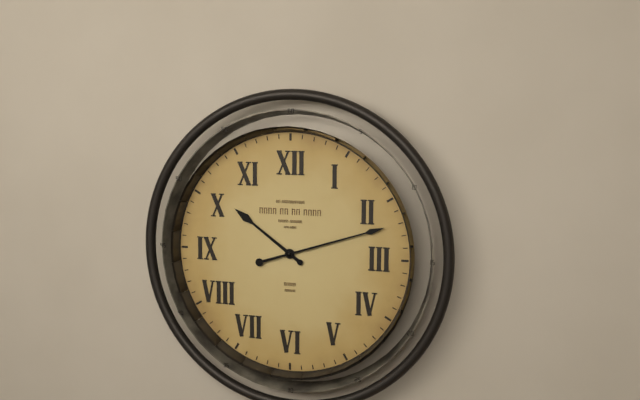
10:12
